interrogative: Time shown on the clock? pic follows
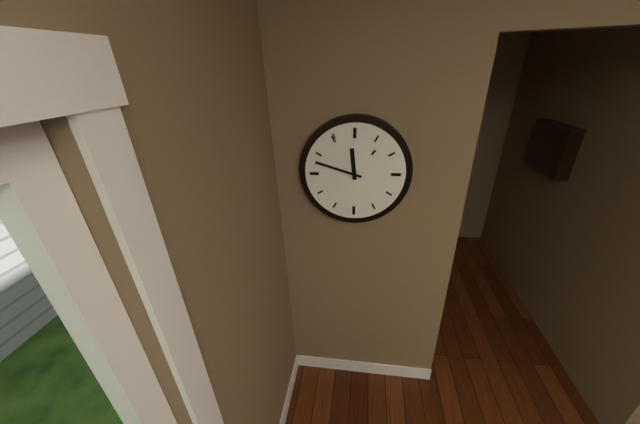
11:48
